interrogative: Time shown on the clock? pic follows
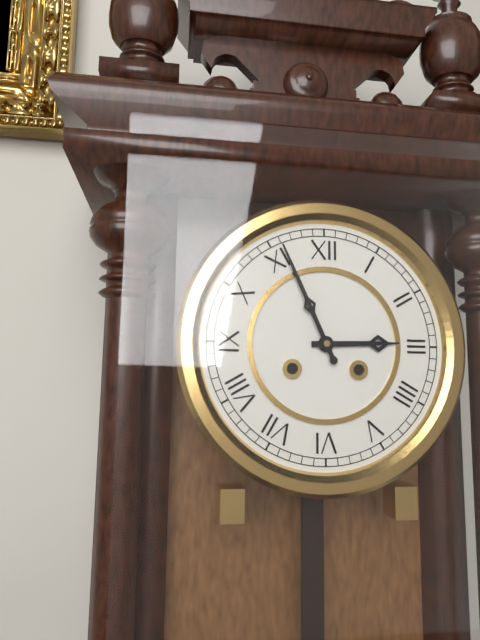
2:56
